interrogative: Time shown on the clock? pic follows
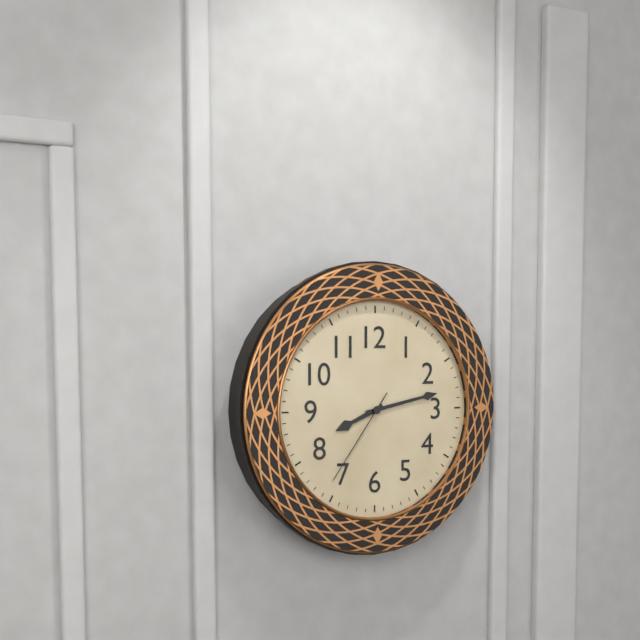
8:13:36
